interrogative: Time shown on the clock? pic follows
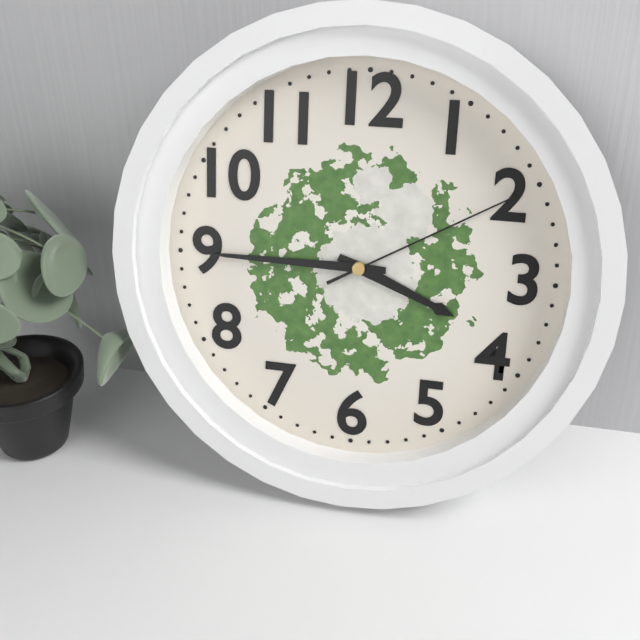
3:45:10
